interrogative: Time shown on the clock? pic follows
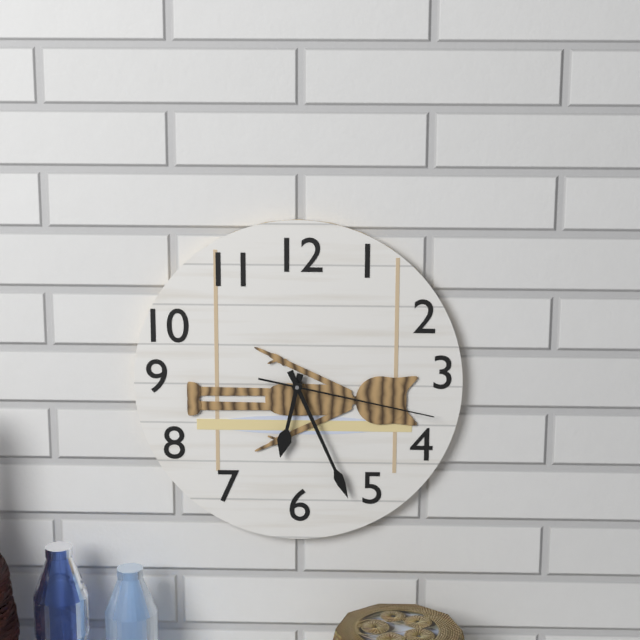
6:26:17
